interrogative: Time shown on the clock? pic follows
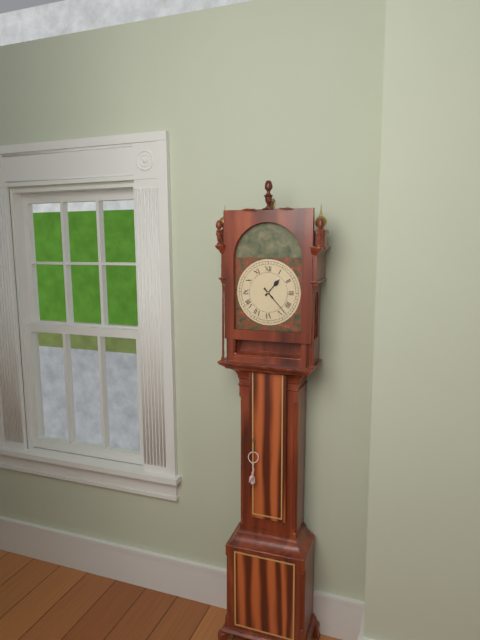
1:23
